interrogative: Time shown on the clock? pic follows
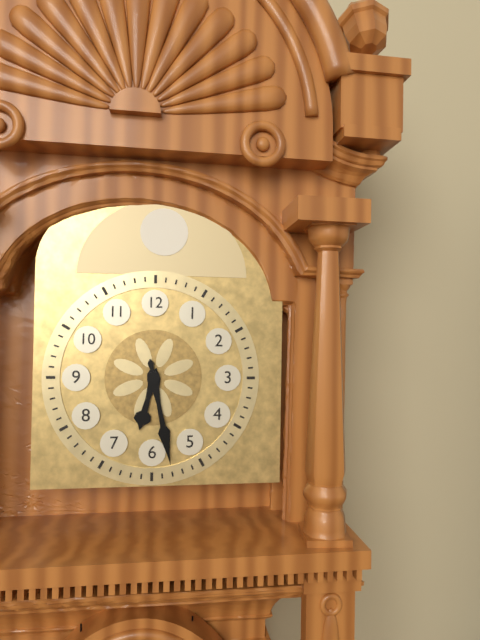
6:28
